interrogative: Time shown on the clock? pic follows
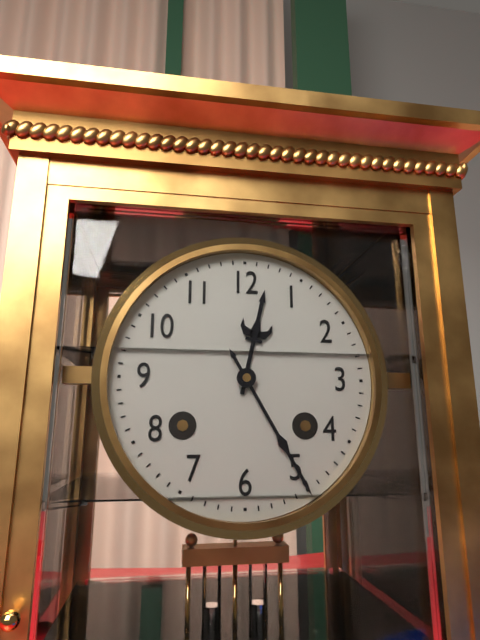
12:25
